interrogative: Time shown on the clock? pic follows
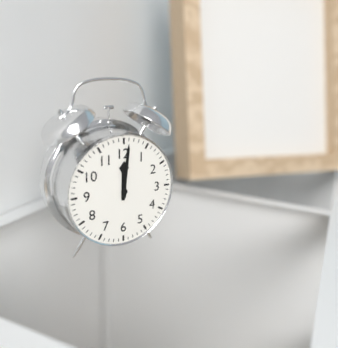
12:01
